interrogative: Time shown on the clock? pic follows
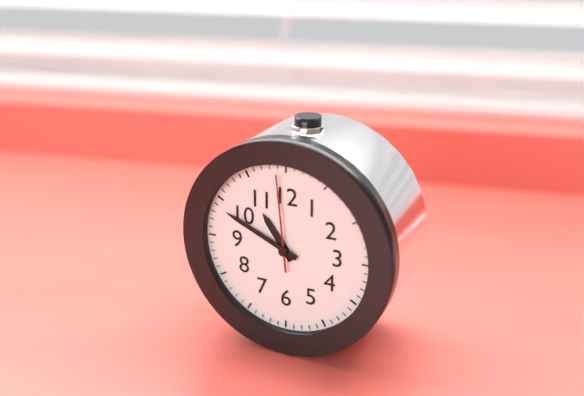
10:49:59
